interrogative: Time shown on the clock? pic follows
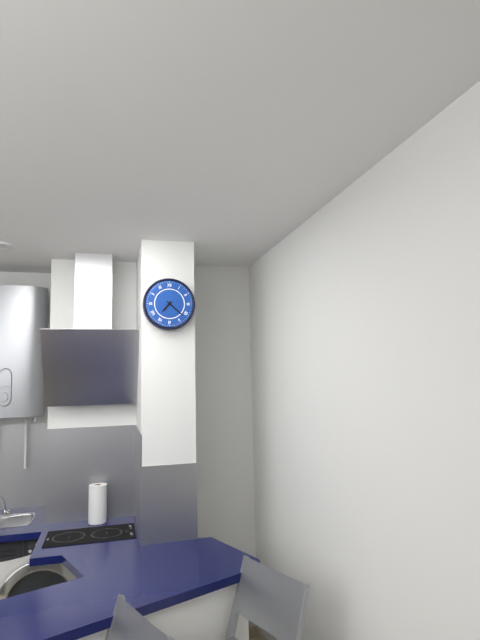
7:22
